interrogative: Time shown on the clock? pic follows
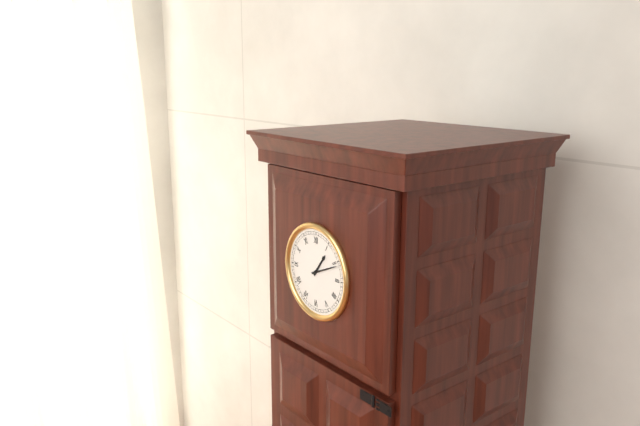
1:11
